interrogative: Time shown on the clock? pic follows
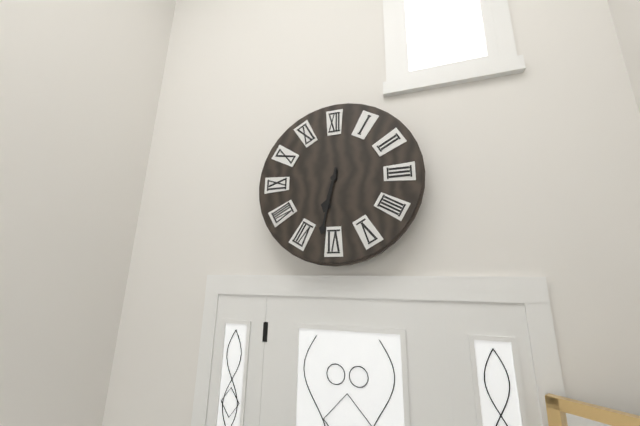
6:32
